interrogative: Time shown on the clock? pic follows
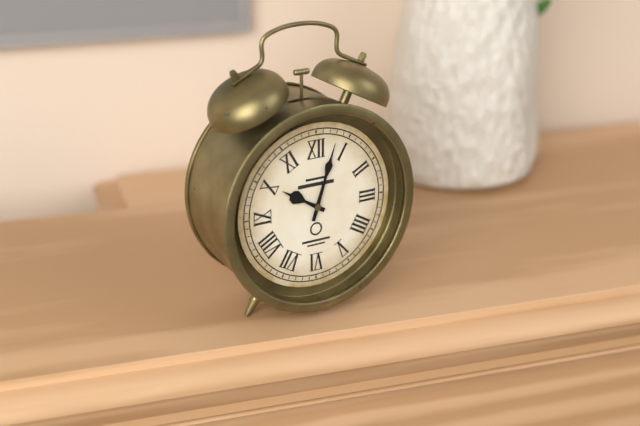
10:03
